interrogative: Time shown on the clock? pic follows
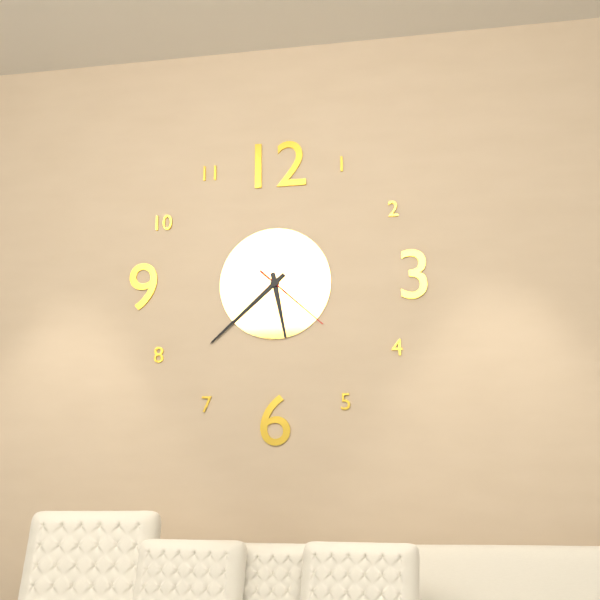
5:38:22
